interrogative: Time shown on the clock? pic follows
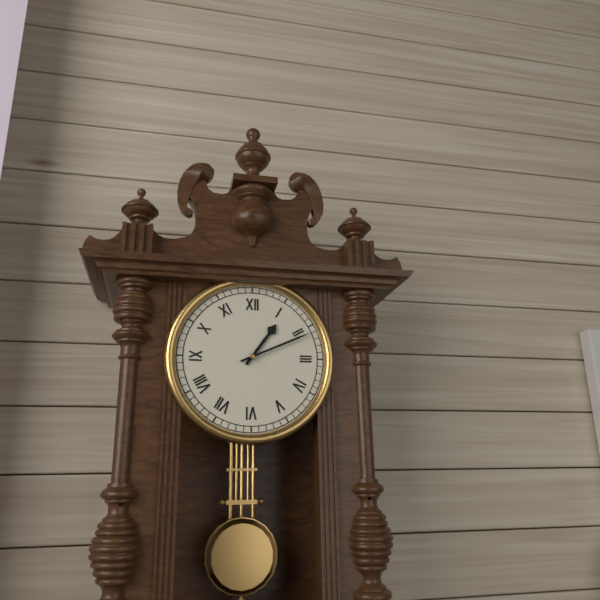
1:11
